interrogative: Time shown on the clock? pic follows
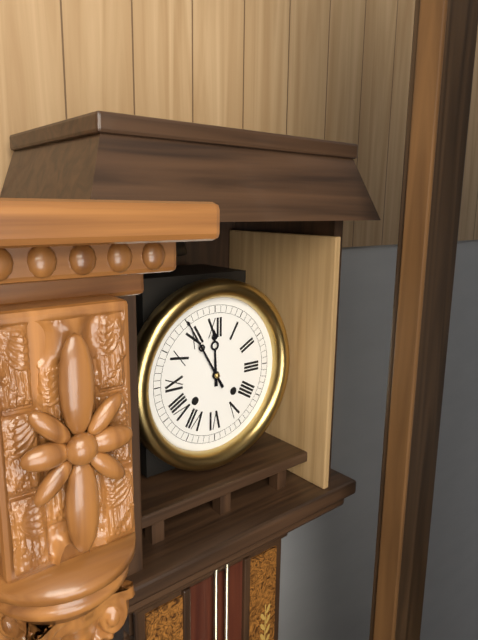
11:55
